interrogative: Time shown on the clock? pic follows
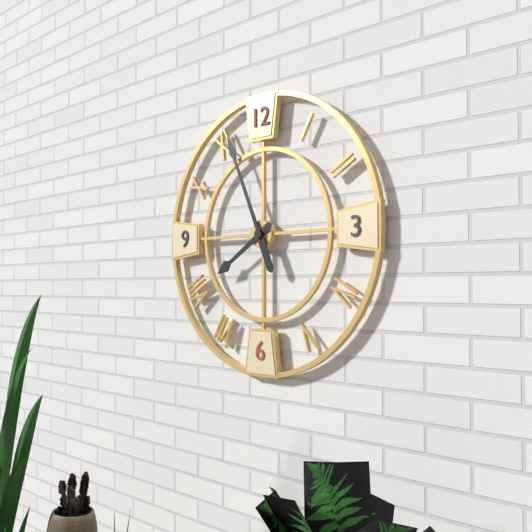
7:56
